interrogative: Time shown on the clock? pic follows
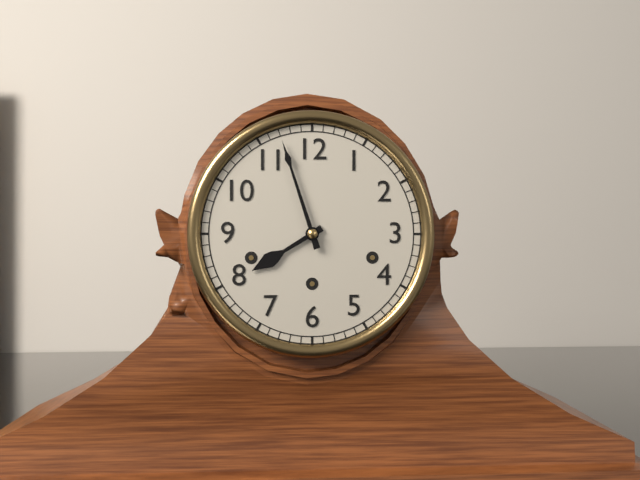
7:57
